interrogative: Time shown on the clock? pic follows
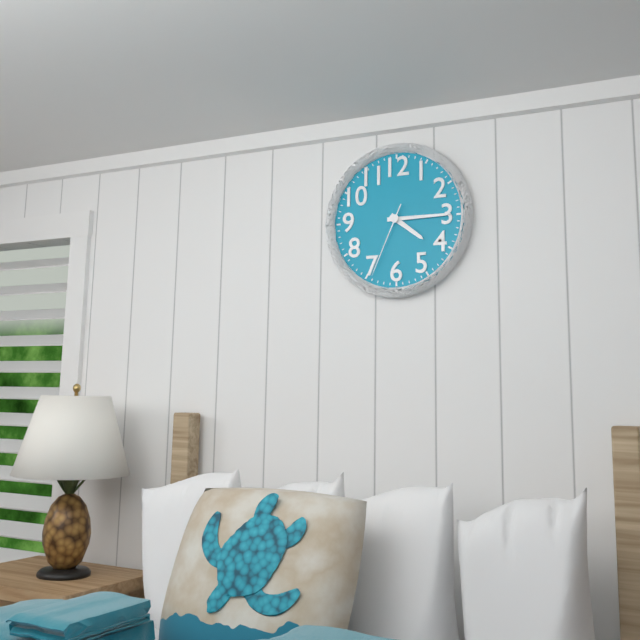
4:15:34
